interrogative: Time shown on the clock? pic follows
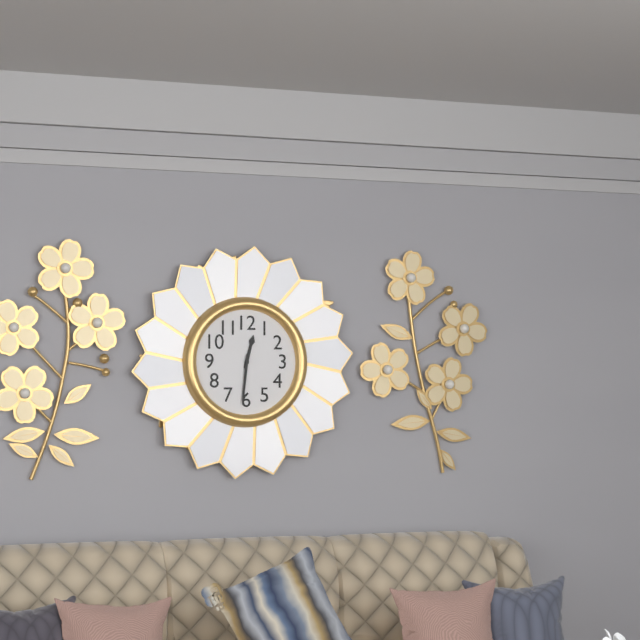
12:31
